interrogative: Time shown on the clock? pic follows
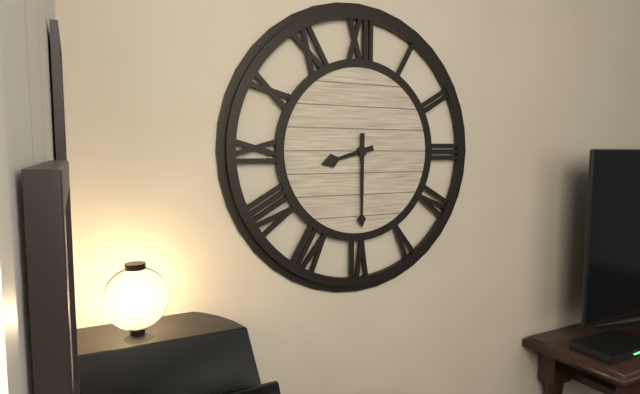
8:30
